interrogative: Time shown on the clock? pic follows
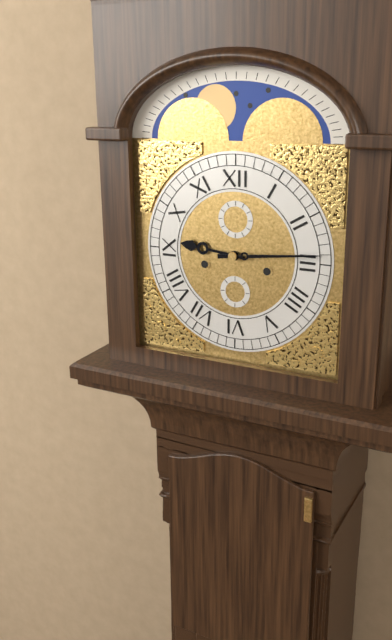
9:14
